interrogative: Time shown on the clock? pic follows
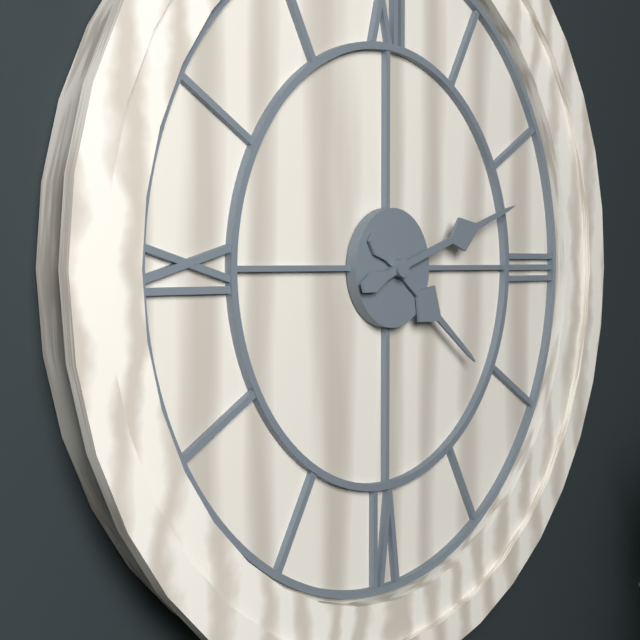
4:12
